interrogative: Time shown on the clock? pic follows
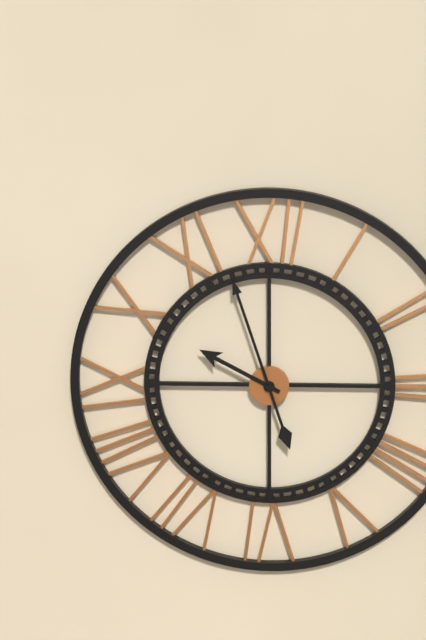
9:57
